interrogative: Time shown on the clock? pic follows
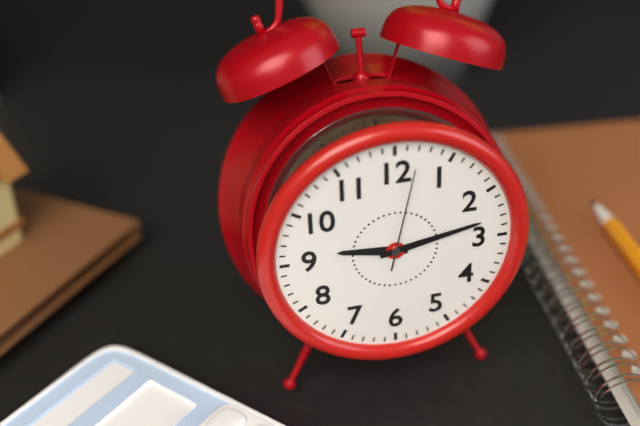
9:13:02
